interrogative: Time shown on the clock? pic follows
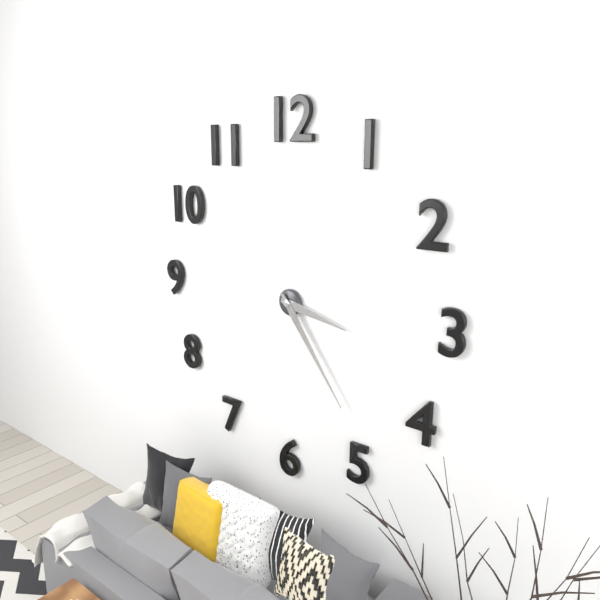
3:24
